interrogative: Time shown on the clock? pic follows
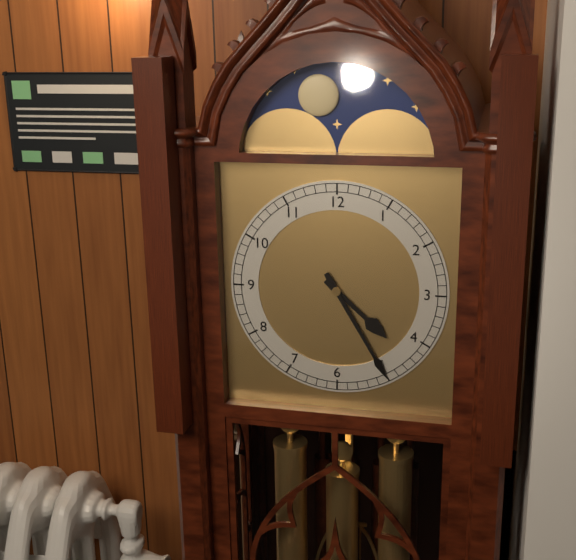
4:25
